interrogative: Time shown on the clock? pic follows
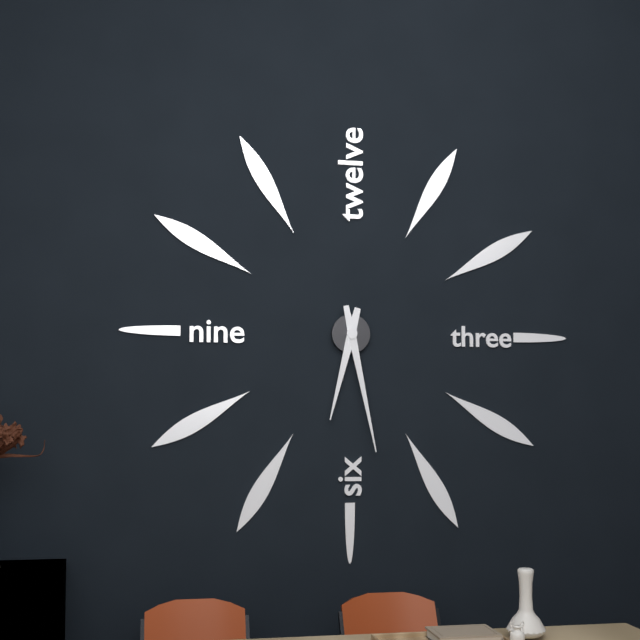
6:28
